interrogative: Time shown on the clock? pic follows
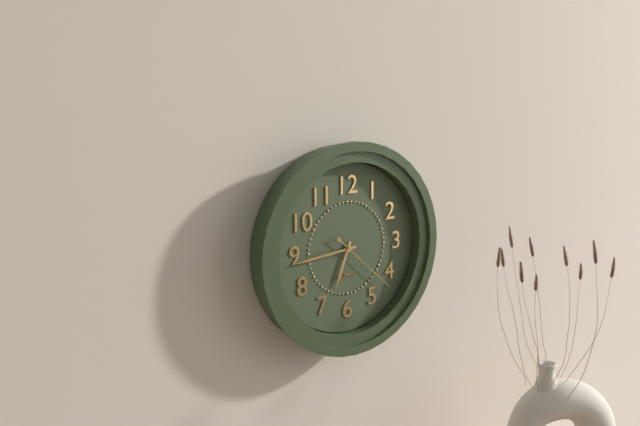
6:44:22
